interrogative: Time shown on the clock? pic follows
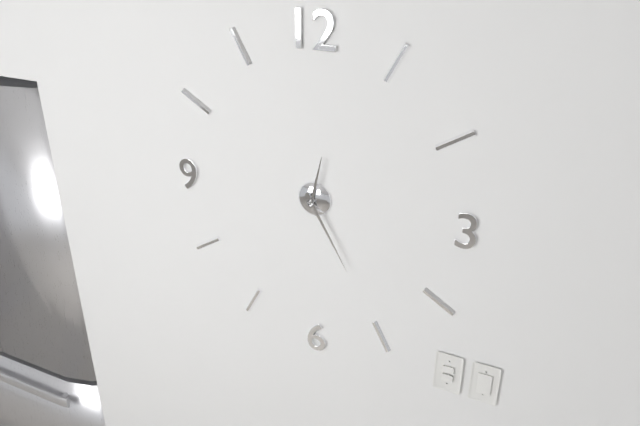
12:25
